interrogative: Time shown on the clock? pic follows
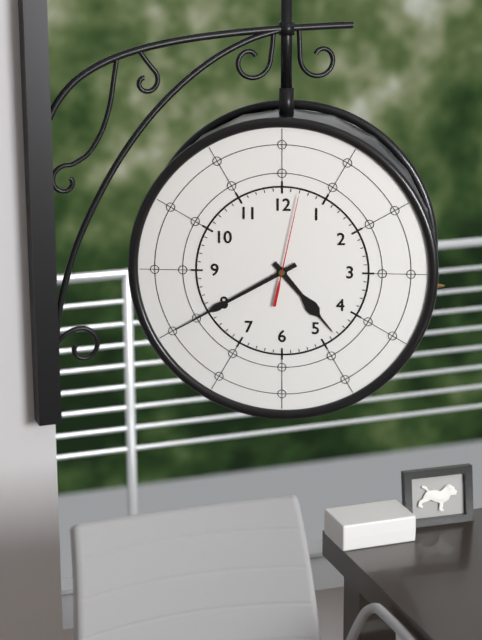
4:40:02
